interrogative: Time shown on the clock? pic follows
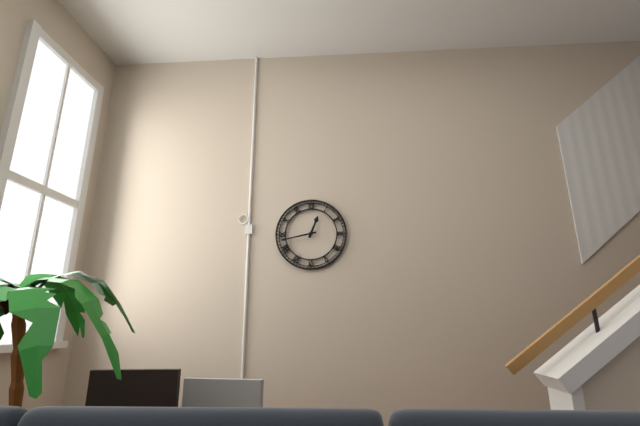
12:43
